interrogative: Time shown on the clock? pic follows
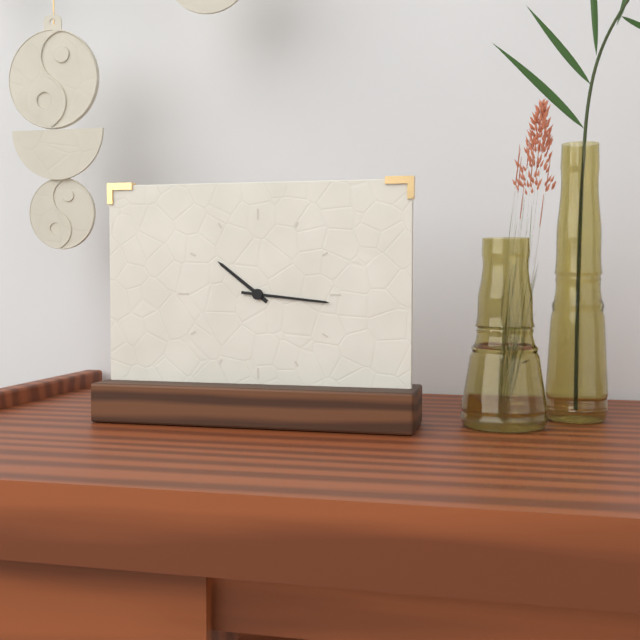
10:16
